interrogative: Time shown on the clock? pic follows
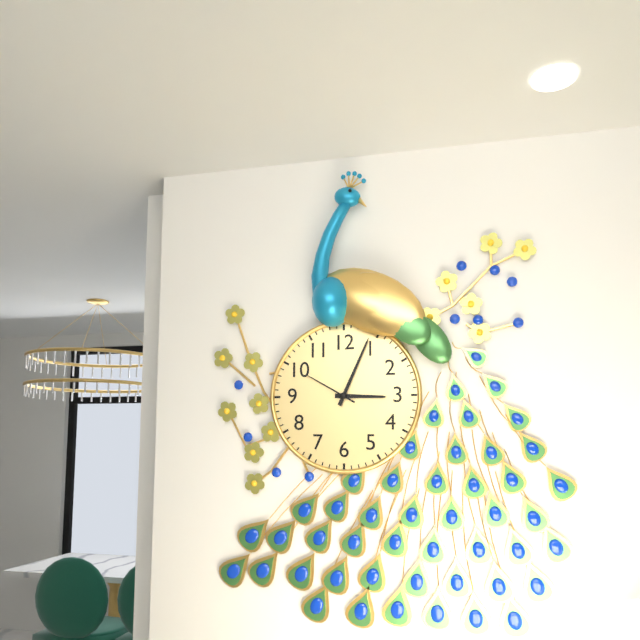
3:04:50
